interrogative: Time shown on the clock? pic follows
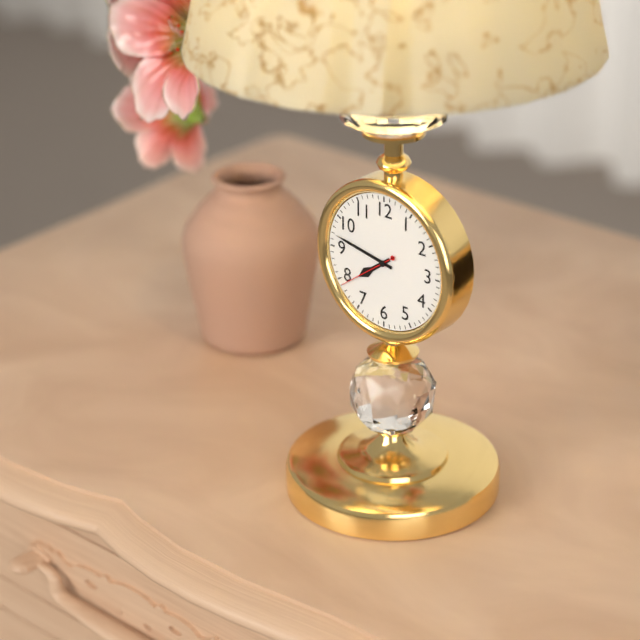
7:47:39
